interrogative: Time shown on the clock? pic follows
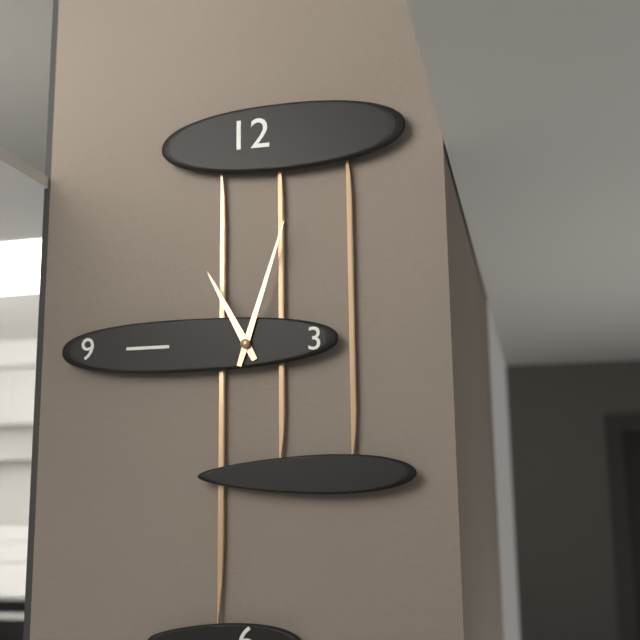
11:03
